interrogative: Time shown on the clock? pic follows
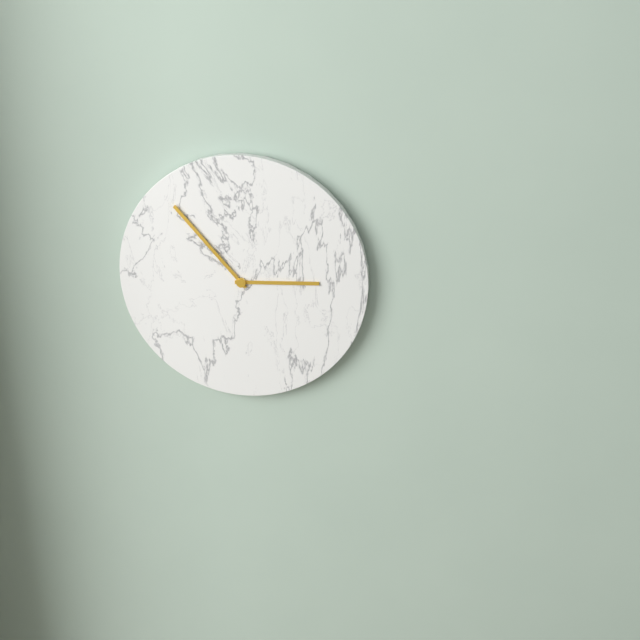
2:53
